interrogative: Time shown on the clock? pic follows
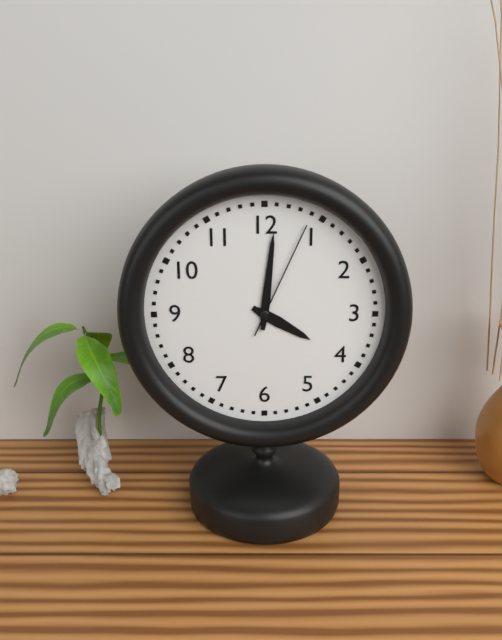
4:01:04
